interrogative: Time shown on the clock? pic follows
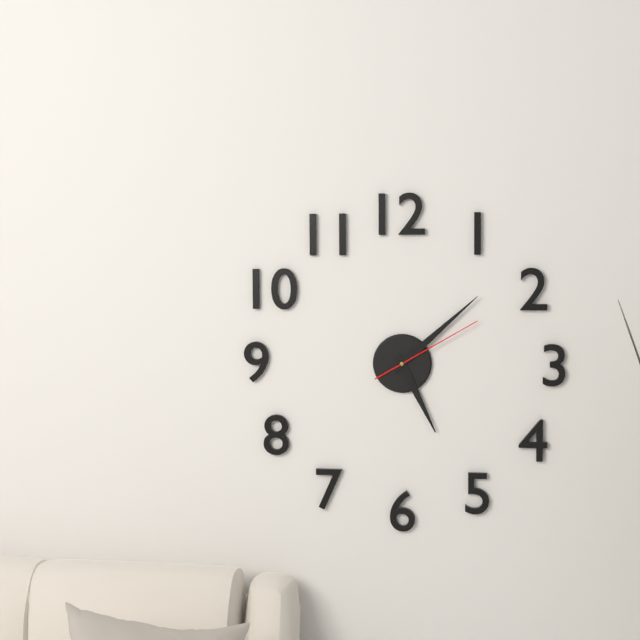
5:08:10
